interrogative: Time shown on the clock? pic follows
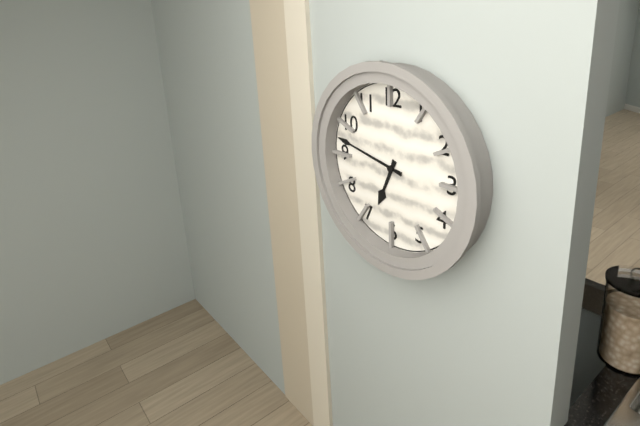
6:47
